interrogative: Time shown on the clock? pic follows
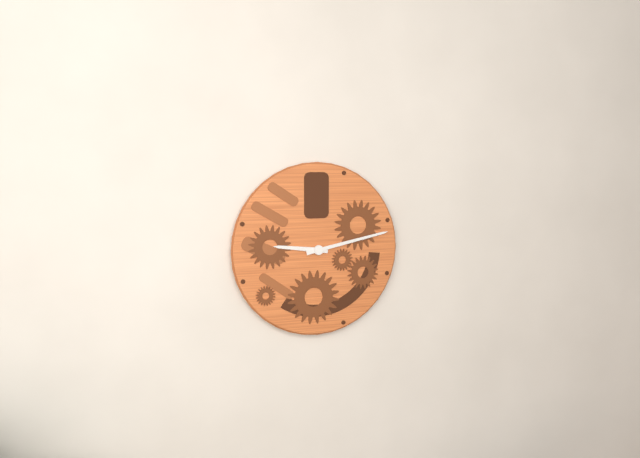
9:13
